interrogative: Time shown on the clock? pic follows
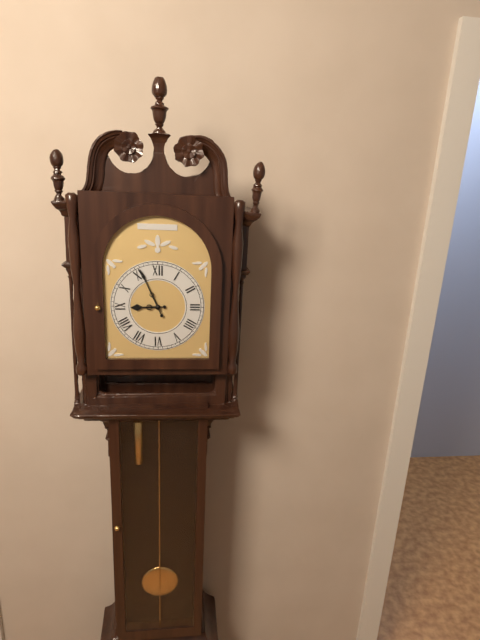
8:56
